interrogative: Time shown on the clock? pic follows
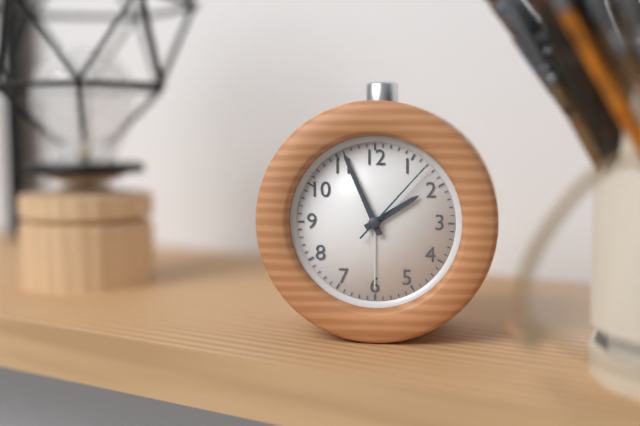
1:56:07
